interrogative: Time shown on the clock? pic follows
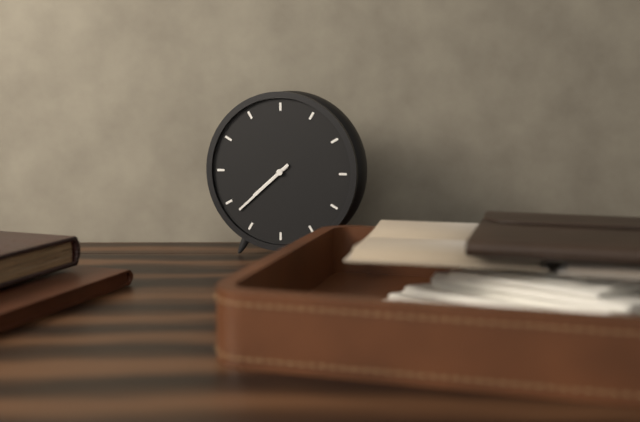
7:38
